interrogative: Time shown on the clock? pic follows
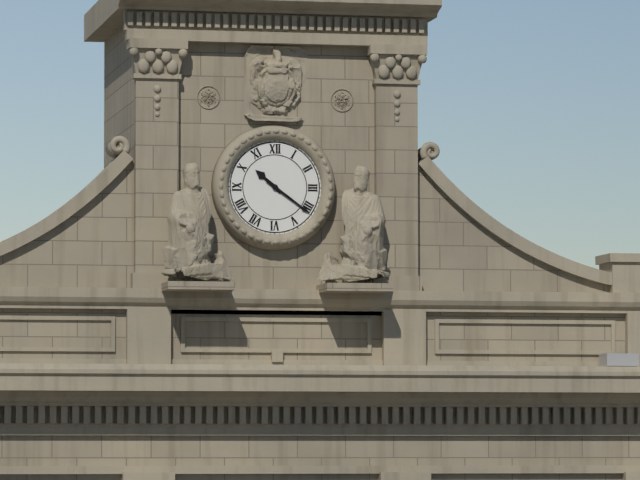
10:21
